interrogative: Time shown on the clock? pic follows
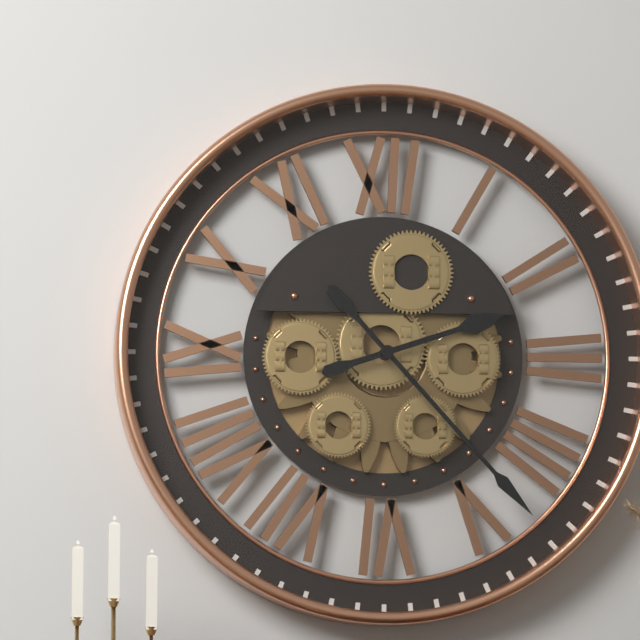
2:23
